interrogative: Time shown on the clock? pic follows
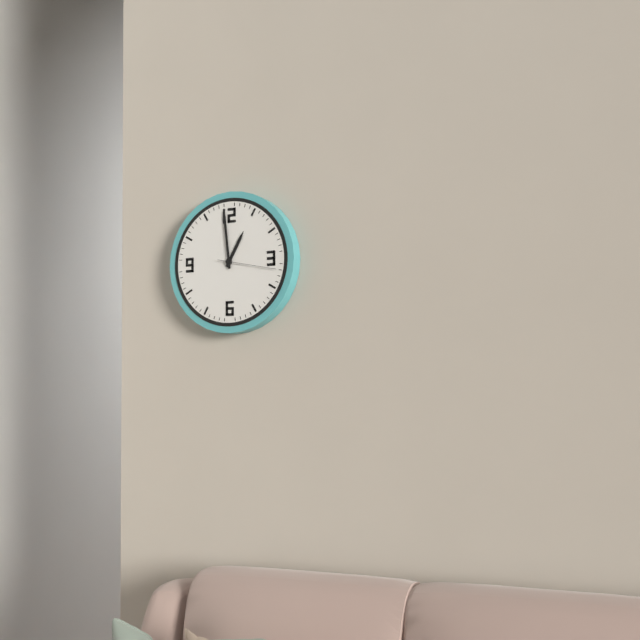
12:59
